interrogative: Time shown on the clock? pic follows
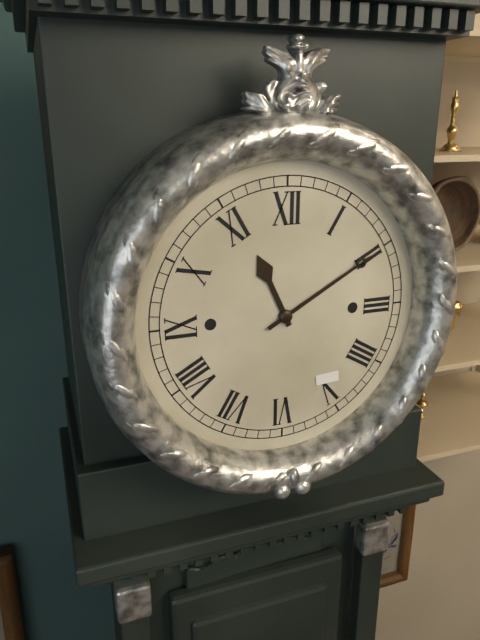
11:10
